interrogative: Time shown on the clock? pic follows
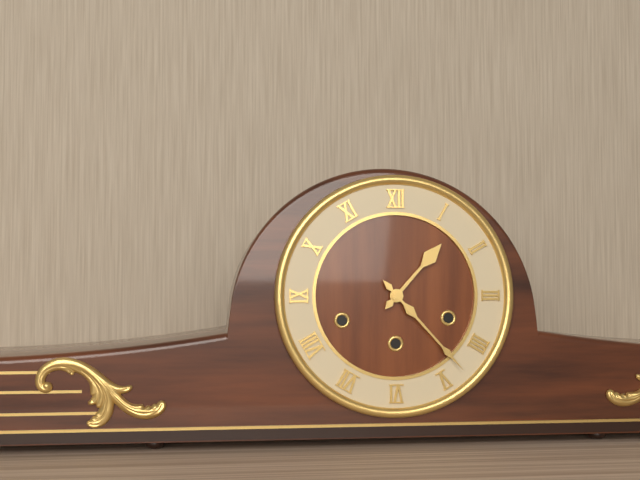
1:23
